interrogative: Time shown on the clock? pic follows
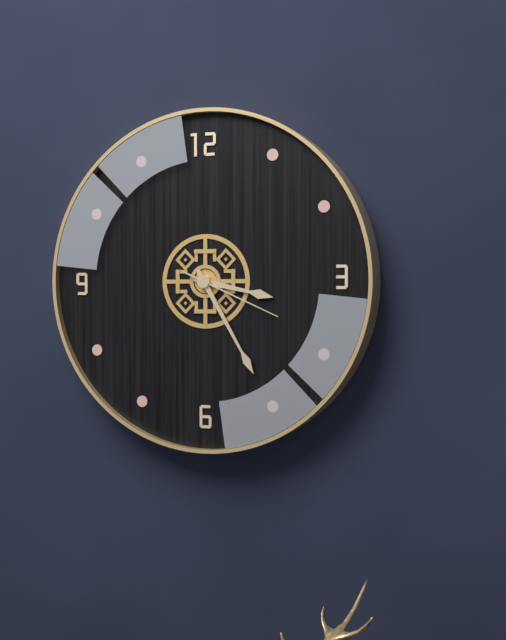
3:25:19
